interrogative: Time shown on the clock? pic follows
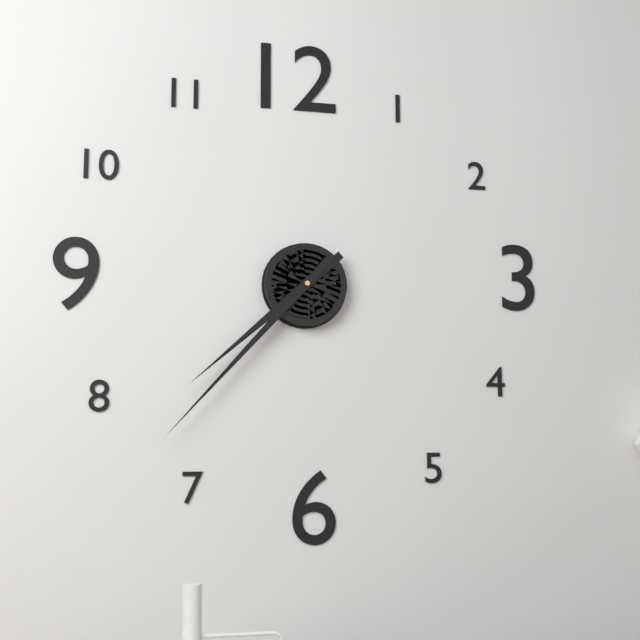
7:37
